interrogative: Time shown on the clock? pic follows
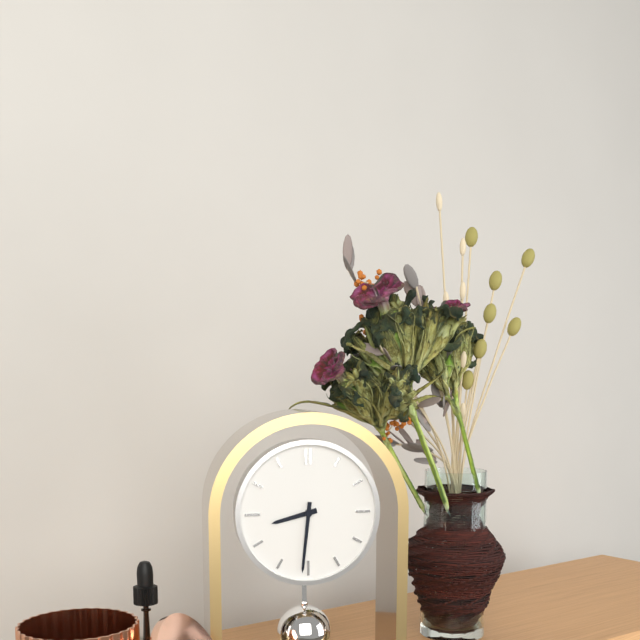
8:31
